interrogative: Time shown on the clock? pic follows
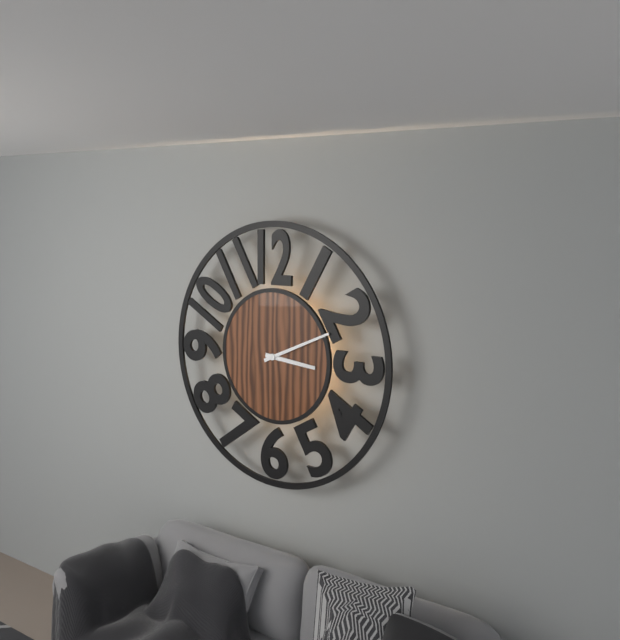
3:11
